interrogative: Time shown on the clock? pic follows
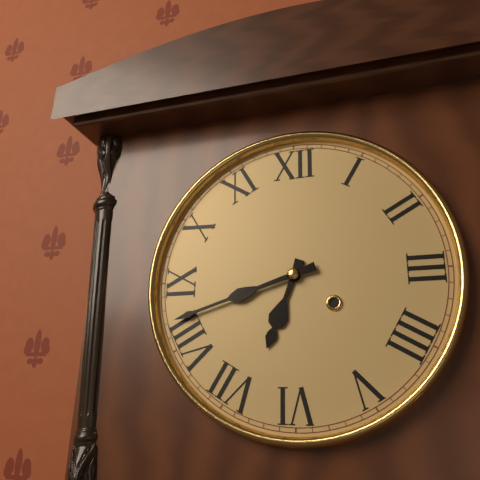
6:42
